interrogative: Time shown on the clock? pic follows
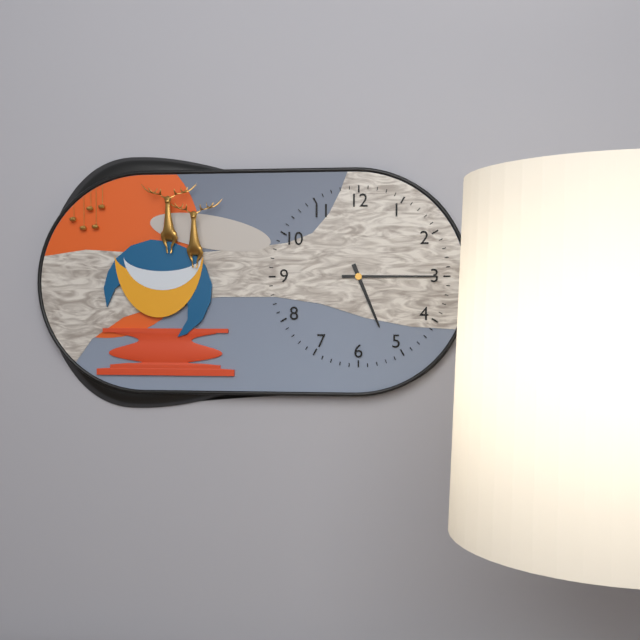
5:15
